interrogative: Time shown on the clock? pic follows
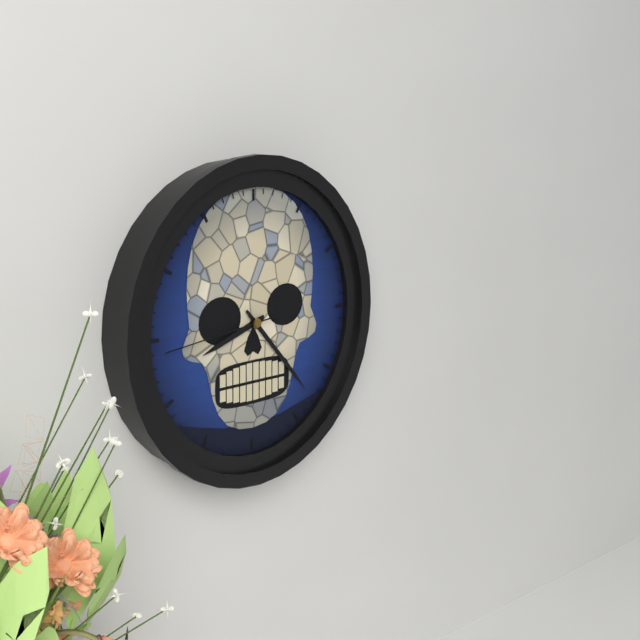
8:23:44
